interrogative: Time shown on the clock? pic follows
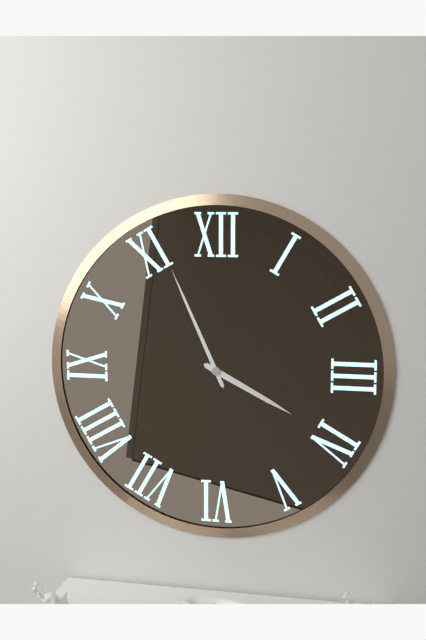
3:56
